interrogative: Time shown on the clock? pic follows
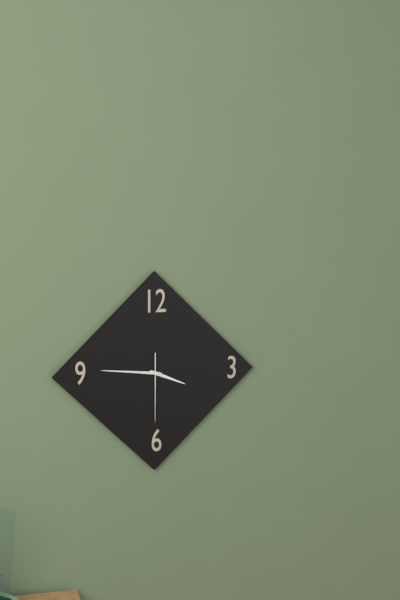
3:46:30
